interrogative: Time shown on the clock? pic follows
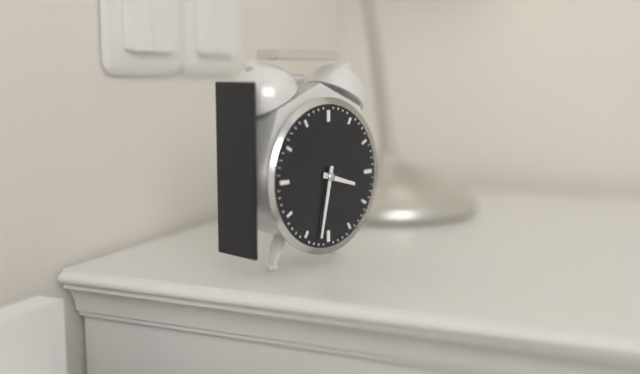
3:32
